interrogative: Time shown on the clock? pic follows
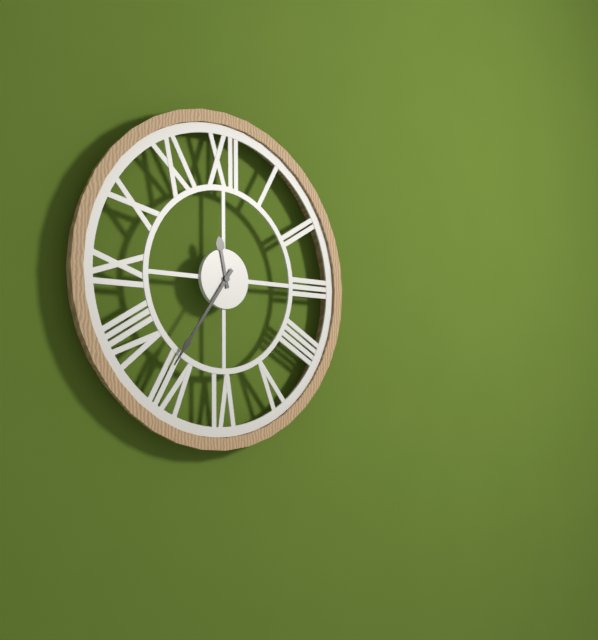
11:36
